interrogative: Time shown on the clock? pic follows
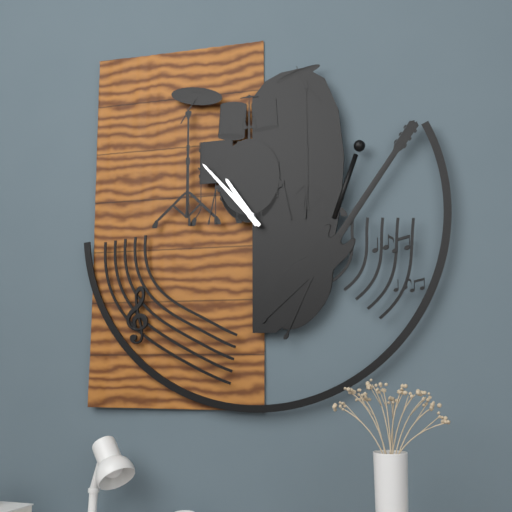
10:53
